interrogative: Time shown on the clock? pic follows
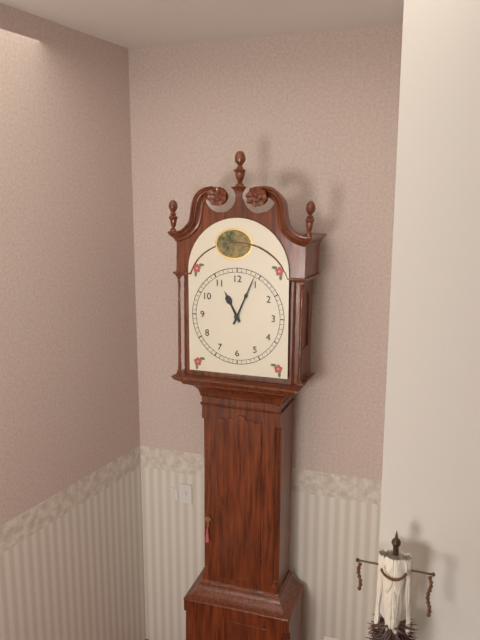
11:04
